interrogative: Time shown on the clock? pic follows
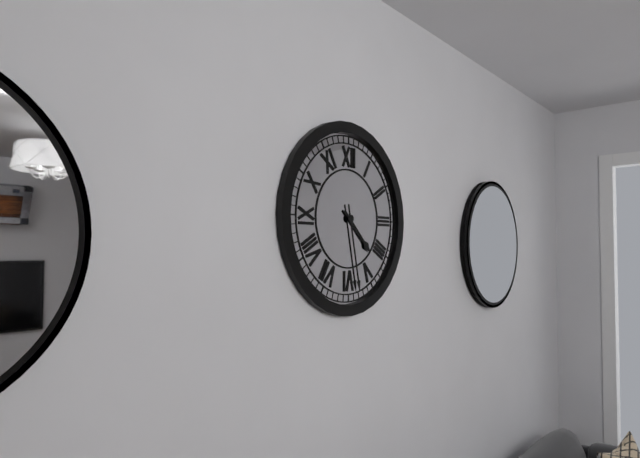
4:28
